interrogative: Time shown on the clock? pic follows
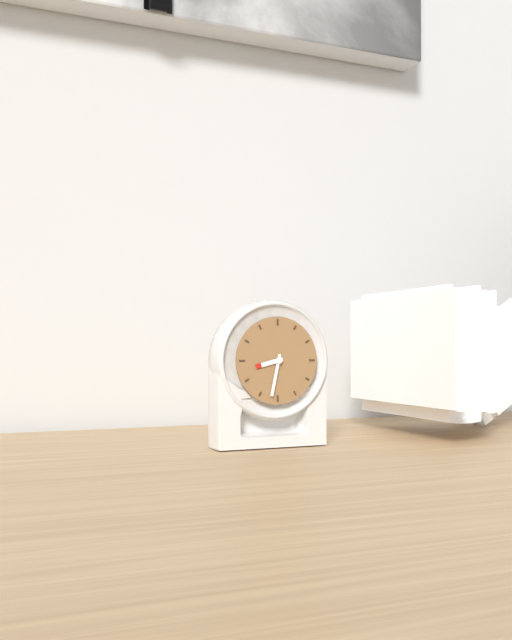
8:32
